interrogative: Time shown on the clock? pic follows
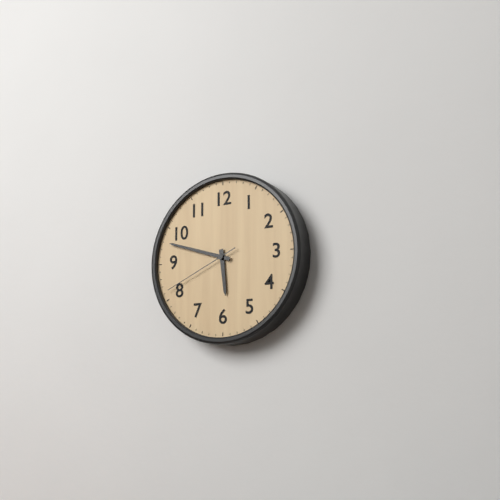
5:48:41
